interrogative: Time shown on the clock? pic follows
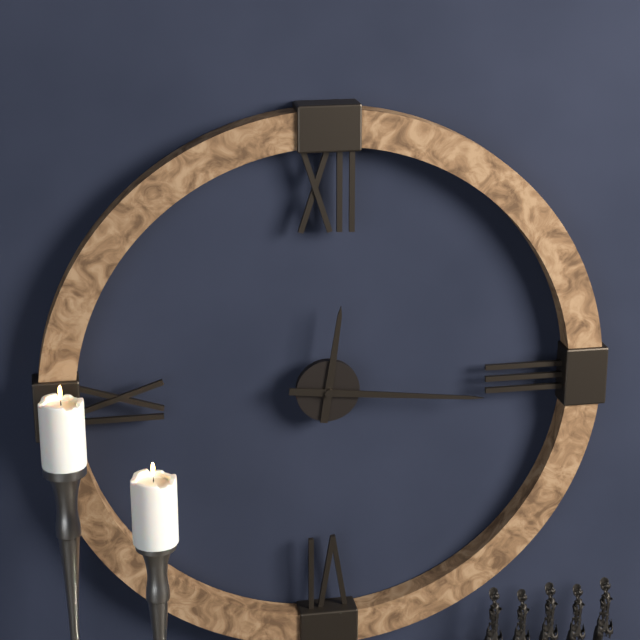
12:16
